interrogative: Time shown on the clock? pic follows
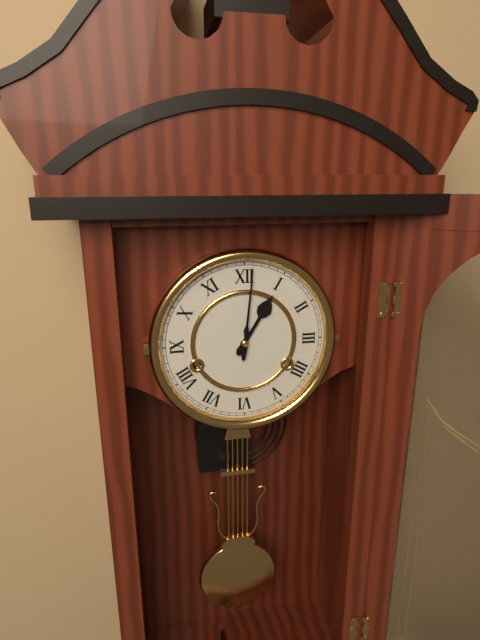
1:01
